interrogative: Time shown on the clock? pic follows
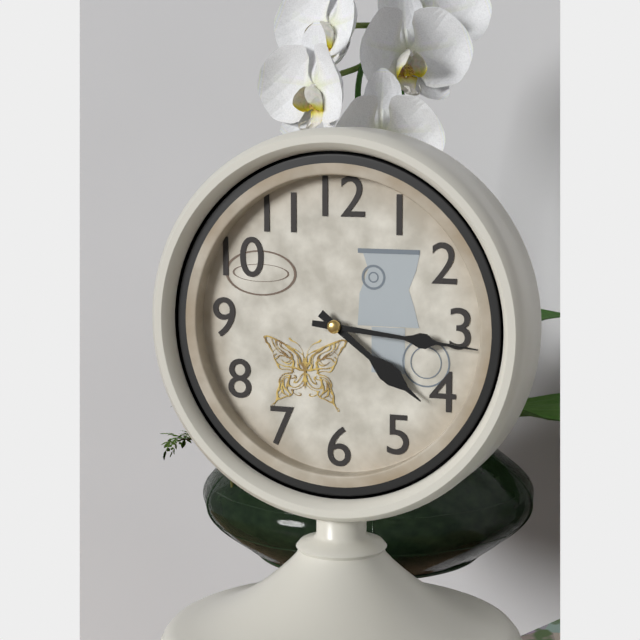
4:16
